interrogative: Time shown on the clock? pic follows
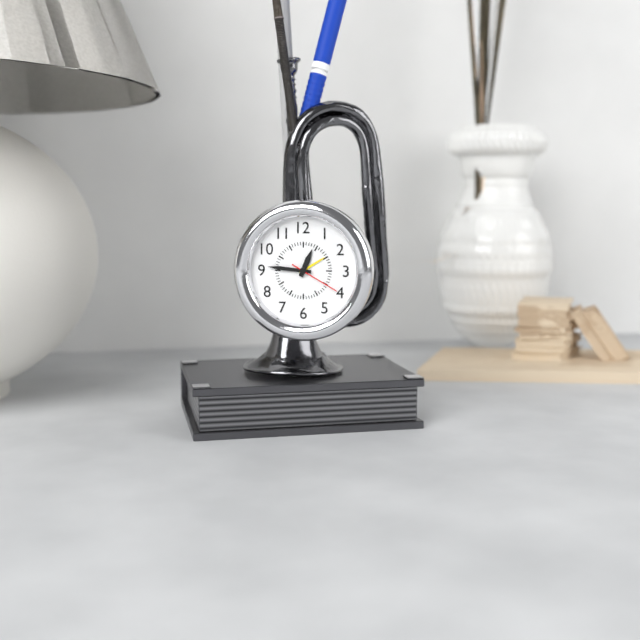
12:46
